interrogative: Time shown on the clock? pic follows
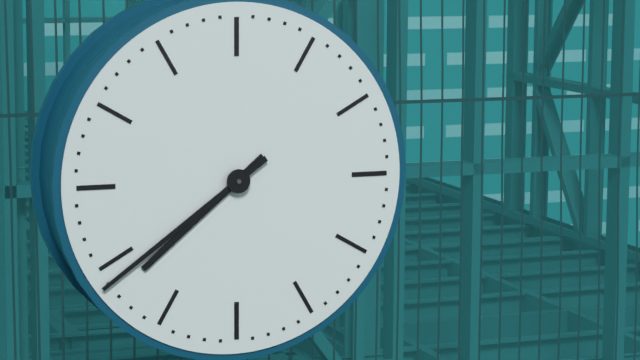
7:39
